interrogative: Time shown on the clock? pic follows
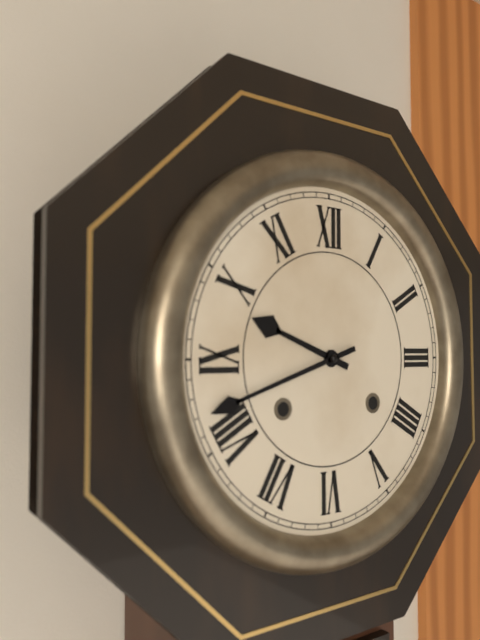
9:42
